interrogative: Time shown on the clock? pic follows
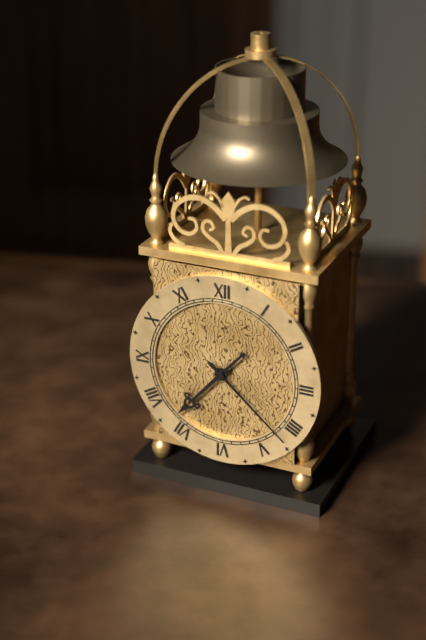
7:22
